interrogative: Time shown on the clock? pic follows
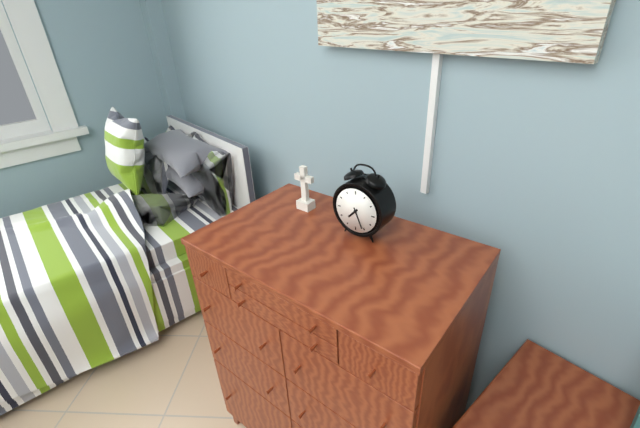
7:26
